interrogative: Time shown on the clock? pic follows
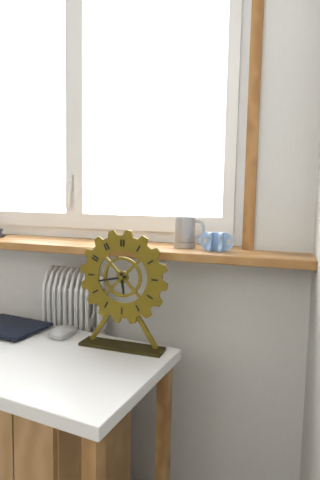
5:43
